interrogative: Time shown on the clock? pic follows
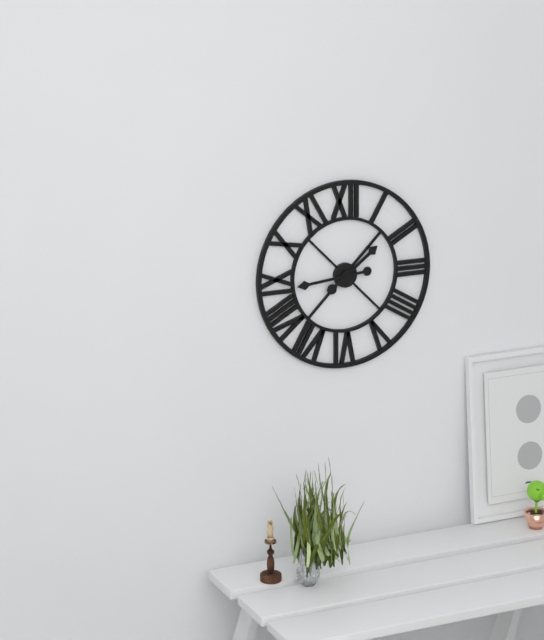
1:44
